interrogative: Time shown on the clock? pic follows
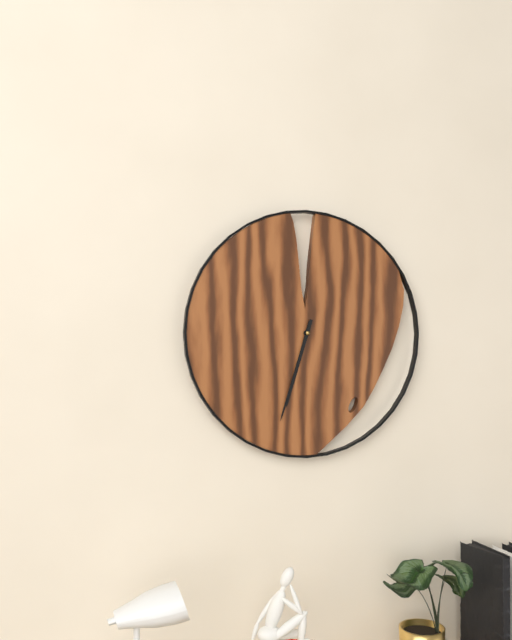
6:33
